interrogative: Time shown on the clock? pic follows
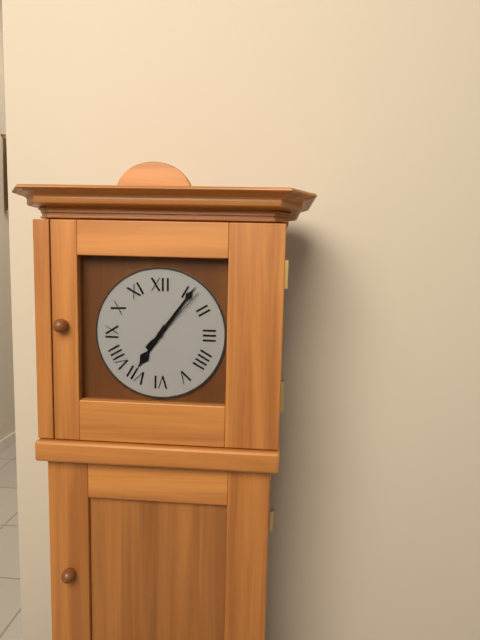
7:06:07
